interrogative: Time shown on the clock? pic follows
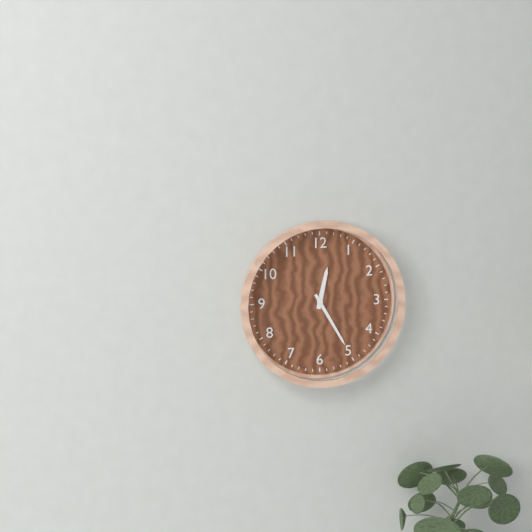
12:25
